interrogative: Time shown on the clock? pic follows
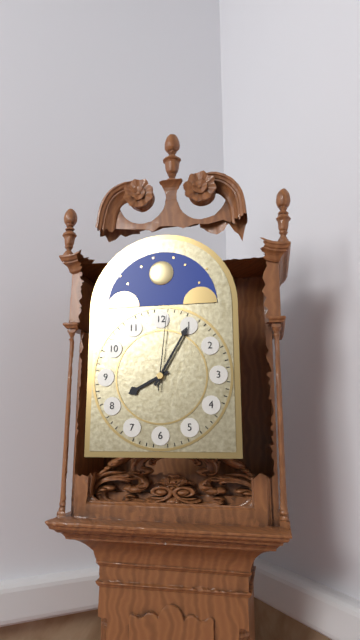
8:05:01
